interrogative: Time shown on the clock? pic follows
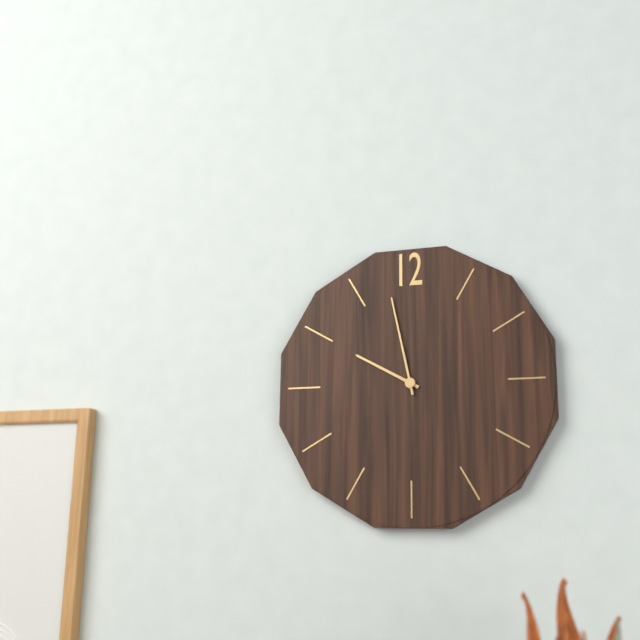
9:58
